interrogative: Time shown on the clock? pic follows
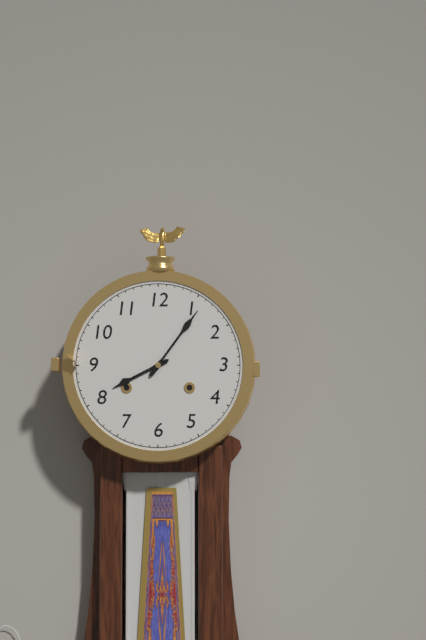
8:06
